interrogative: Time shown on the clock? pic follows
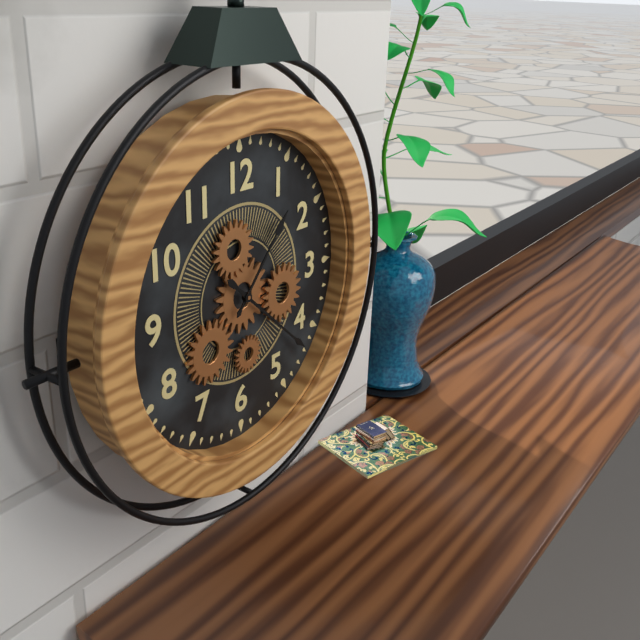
1:22
